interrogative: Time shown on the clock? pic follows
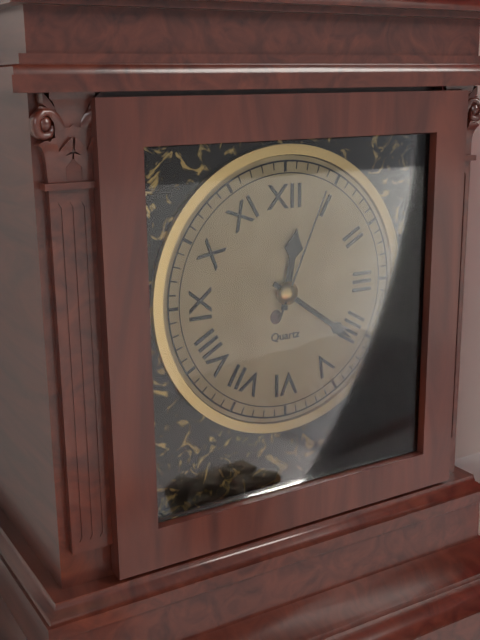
12:21:04
